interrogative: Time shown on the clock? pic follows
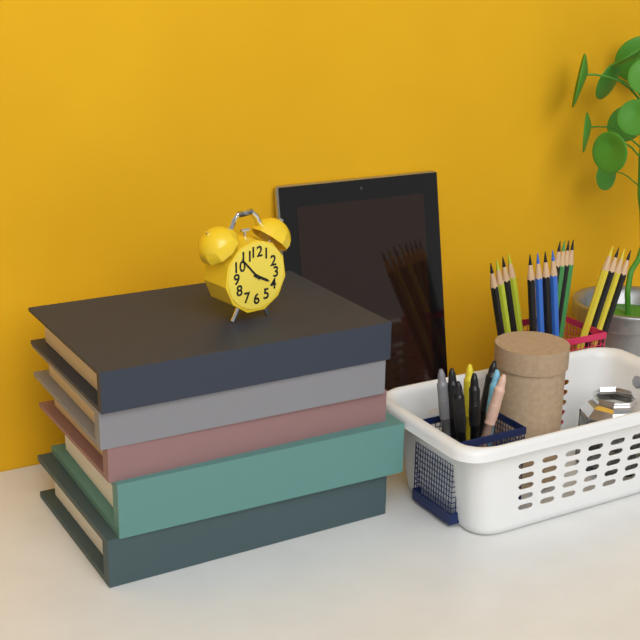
3:53
